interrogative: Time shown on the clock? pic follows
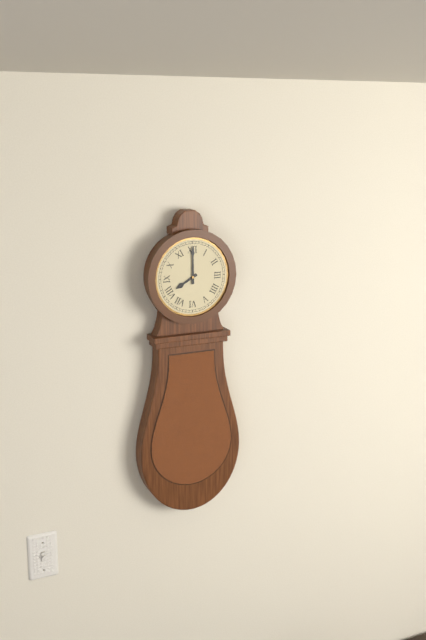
8:00
